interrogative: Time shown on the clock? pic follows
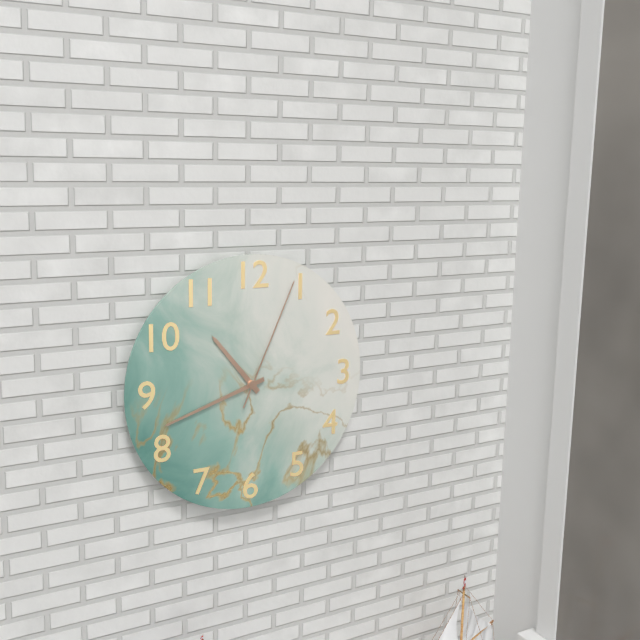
10:42:04
